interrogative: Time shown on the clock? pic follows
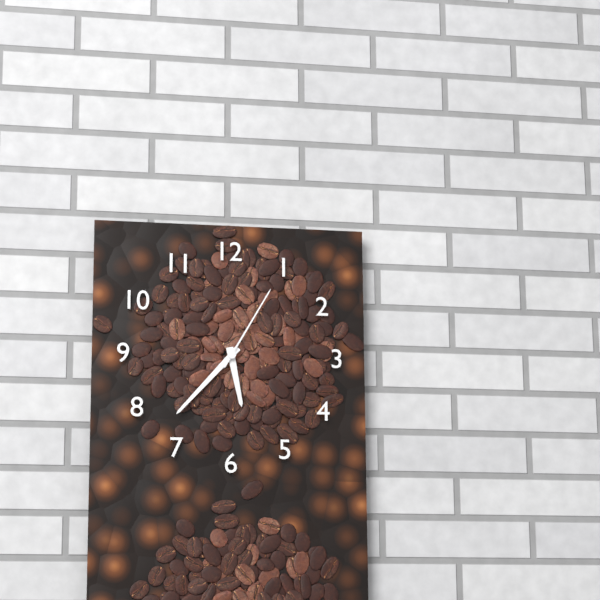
5:37:05
